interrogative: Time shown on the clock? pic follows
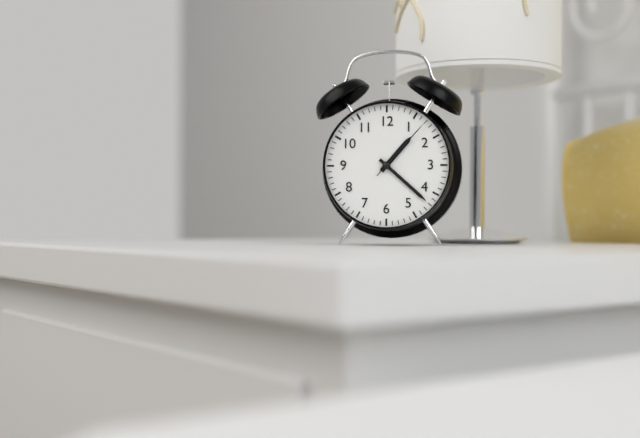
1:22:07
